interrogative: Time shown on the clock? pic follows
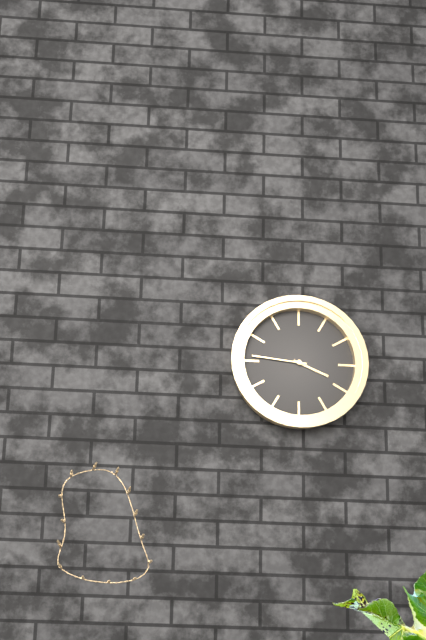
3:46
